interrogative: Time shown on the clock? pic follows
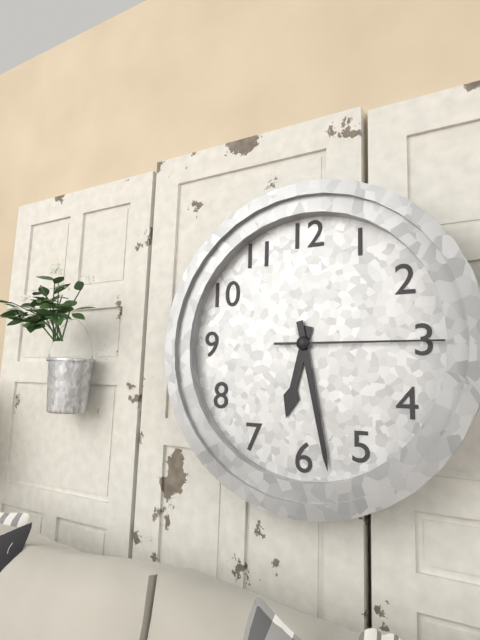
6:28:15
